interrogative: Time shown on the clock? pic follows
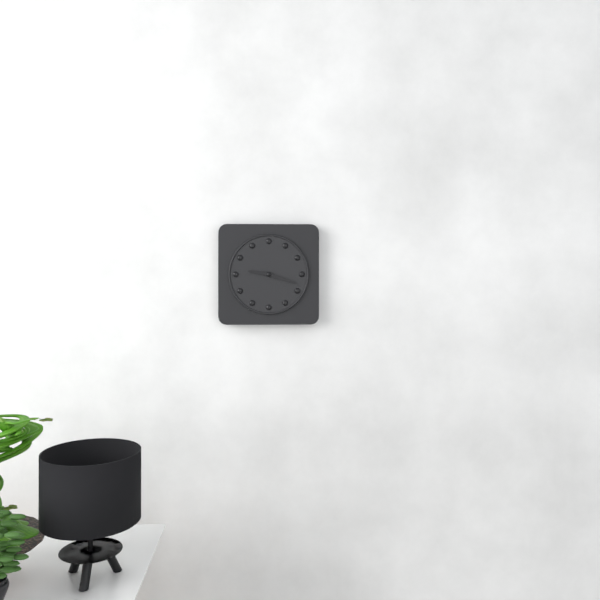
9:18
